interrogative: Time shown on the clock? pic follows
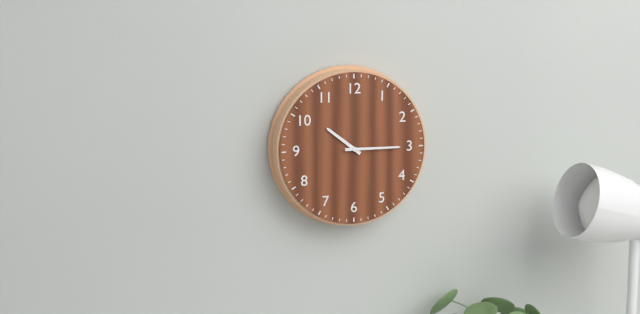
10:15
